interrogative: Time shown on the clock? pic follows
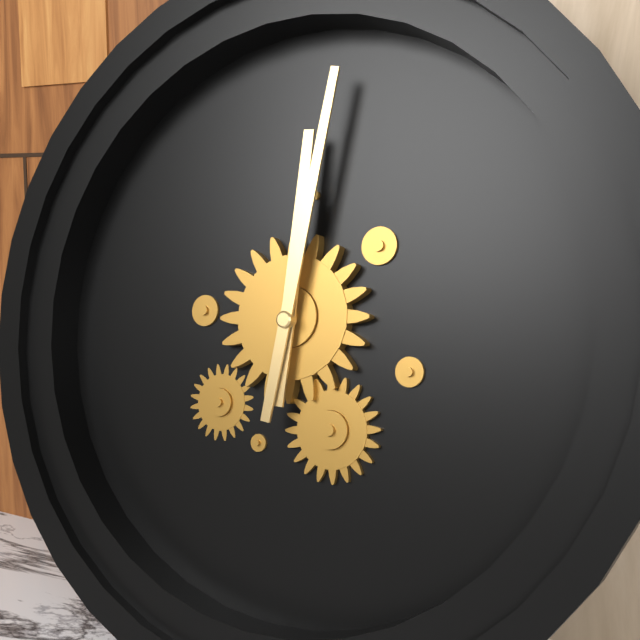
12:01
